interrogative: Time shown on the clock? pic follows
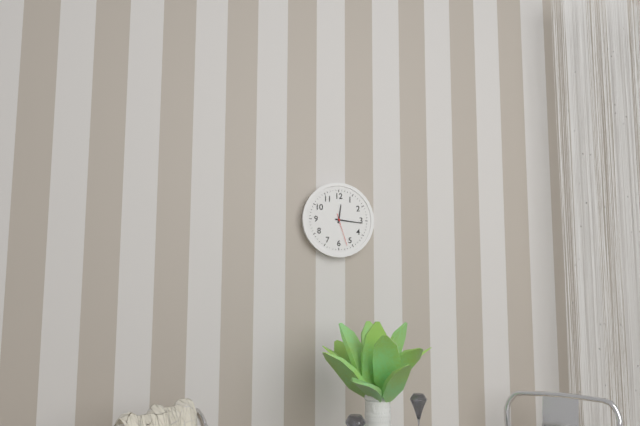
12:16
